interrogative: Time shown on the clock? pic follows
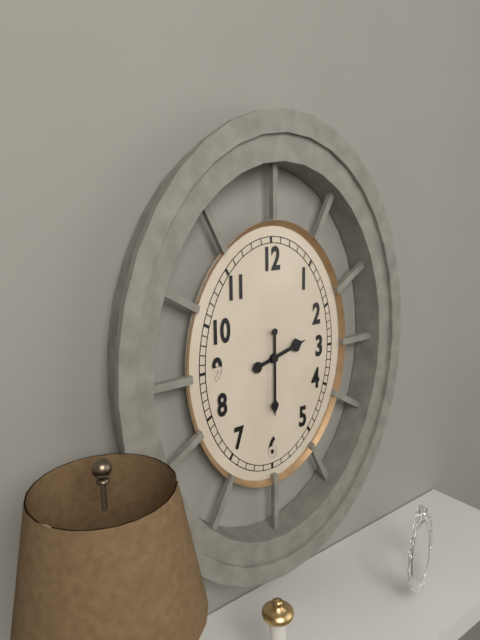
2:30
